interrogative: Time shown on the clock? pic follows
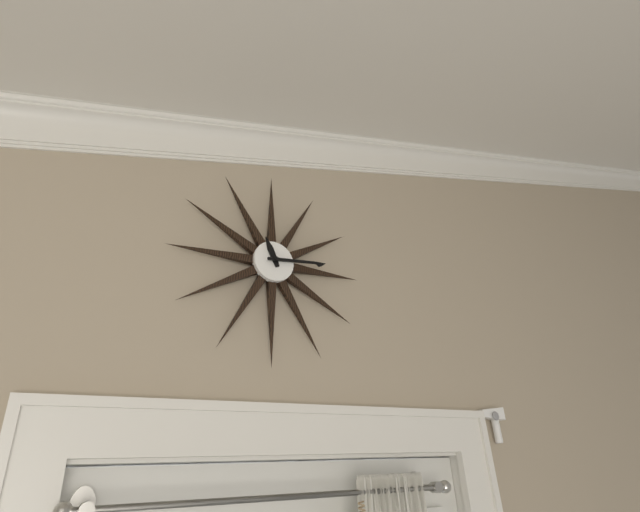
11:14
